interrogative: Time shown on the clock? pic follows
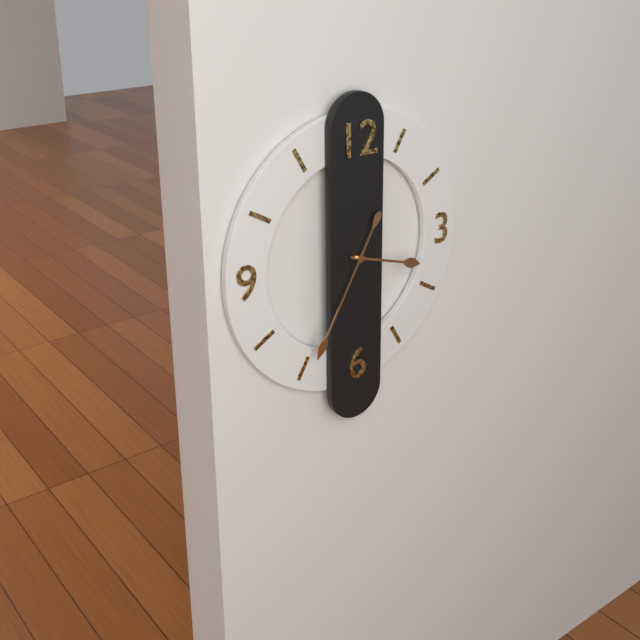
3:35
